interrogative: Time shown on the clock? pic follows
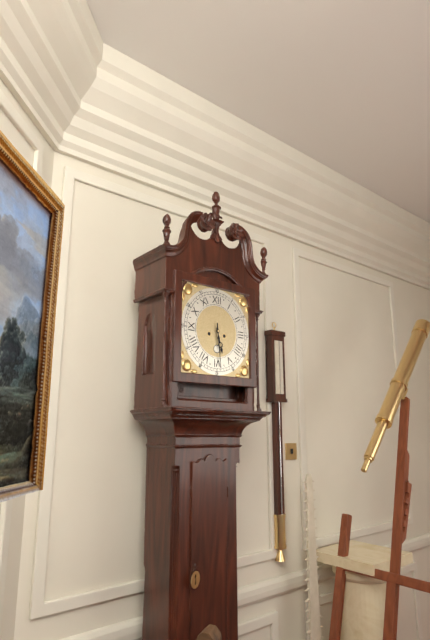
5:29
